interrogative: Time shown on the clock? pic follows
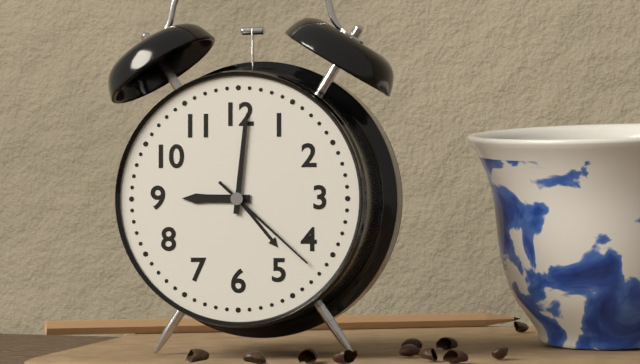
9:01:22
